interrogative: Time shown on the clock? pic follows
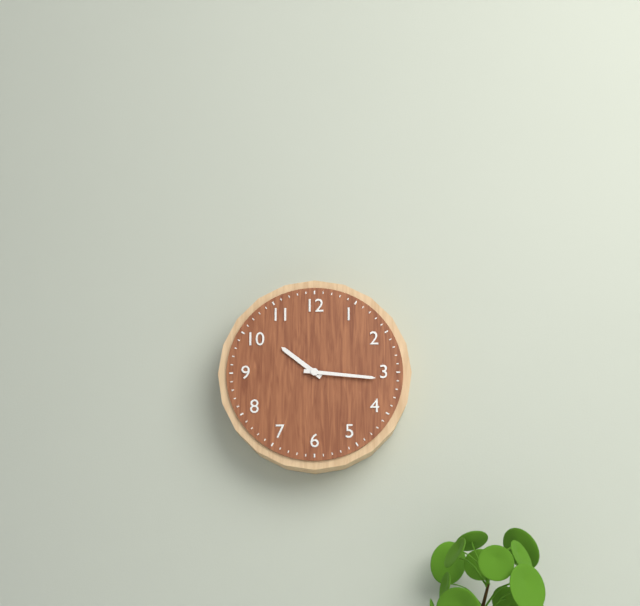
10:16
